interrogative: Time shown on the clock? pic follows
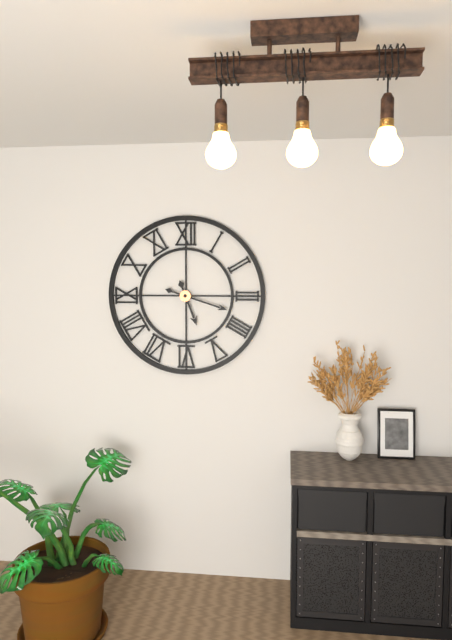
5:18
